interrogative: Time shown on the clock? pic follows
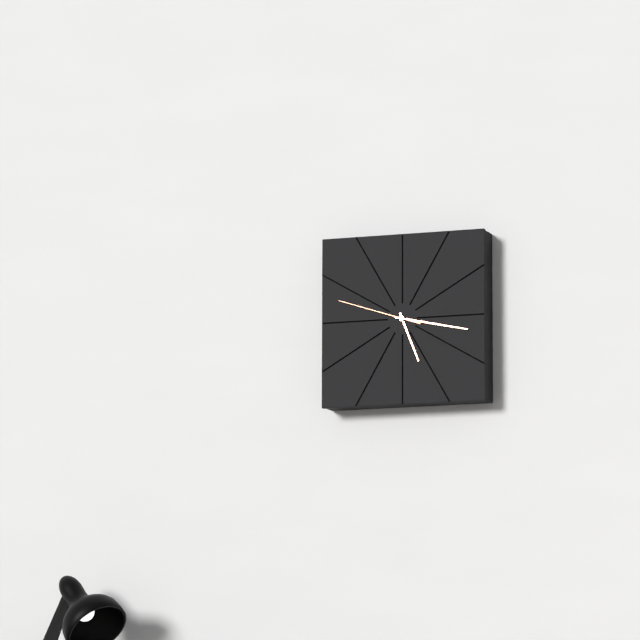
5:17:48
